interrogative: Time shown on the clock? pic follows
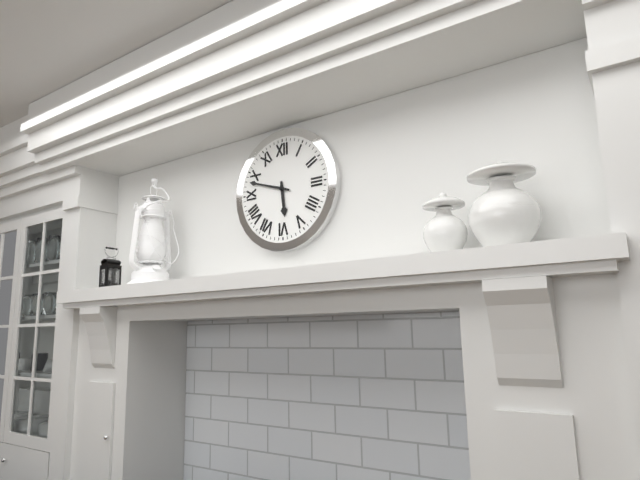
5:48
